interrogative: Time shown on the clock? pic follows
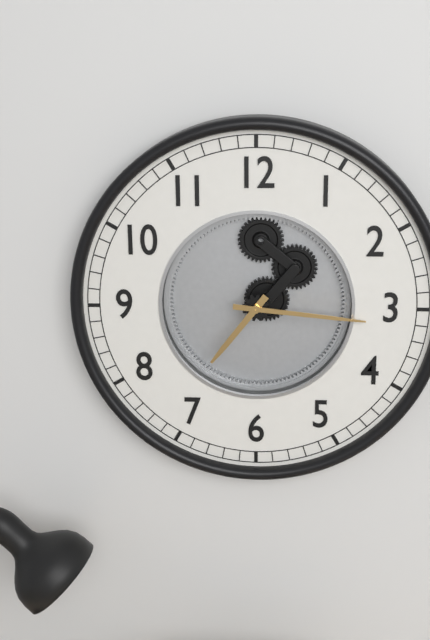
7:16
